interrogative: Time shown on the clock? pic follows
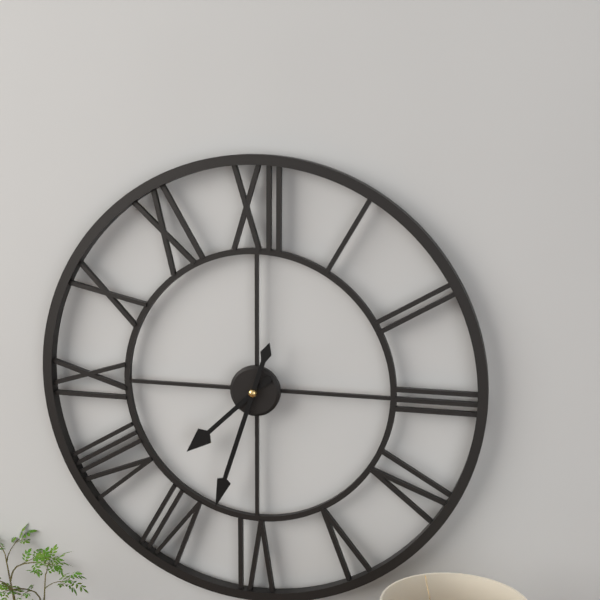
7:33
